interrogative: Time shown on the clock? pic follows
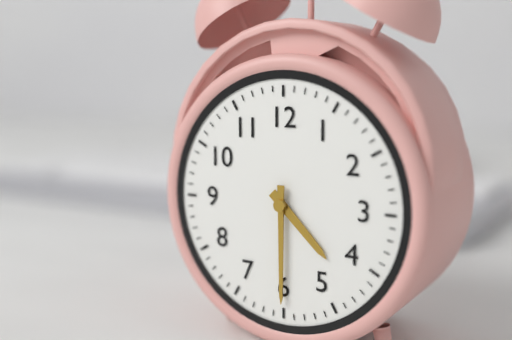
4:30
